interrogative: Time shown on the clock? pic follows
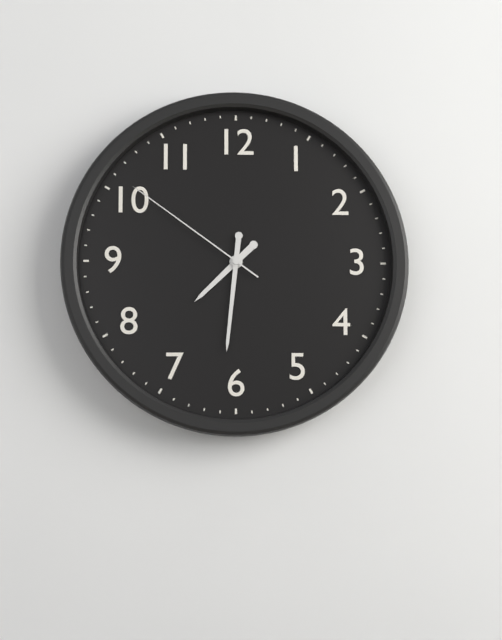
7:31:51
